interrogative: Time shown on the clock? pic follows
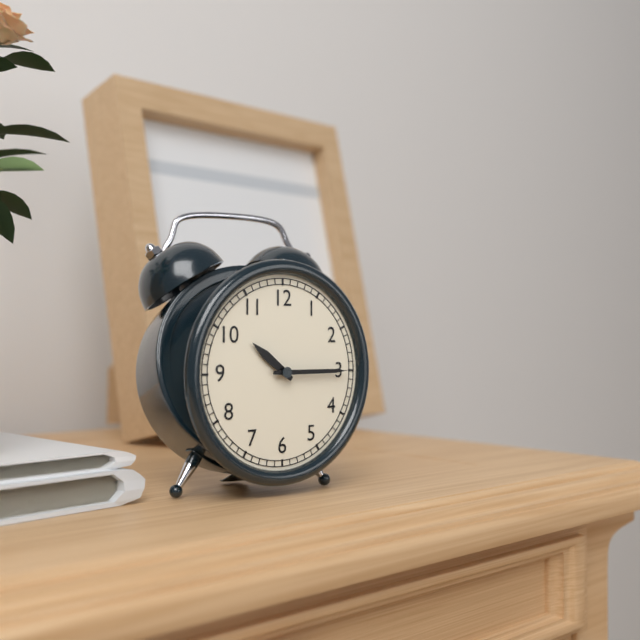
10:15
